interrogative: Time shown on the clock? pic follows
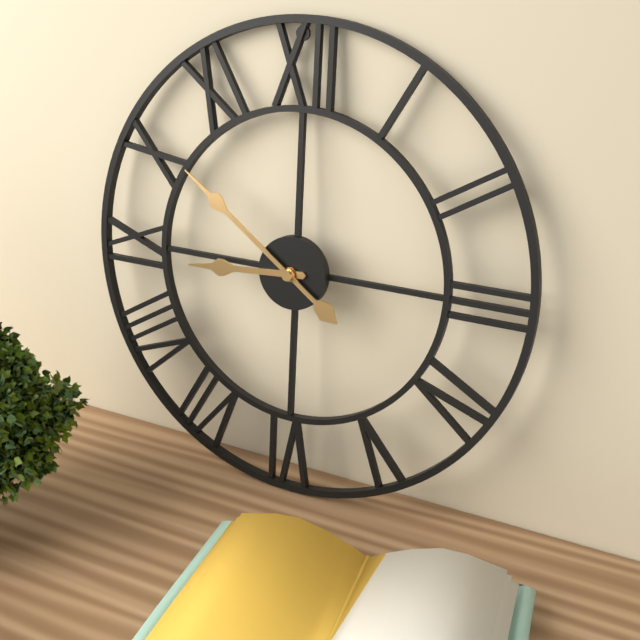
8:51
